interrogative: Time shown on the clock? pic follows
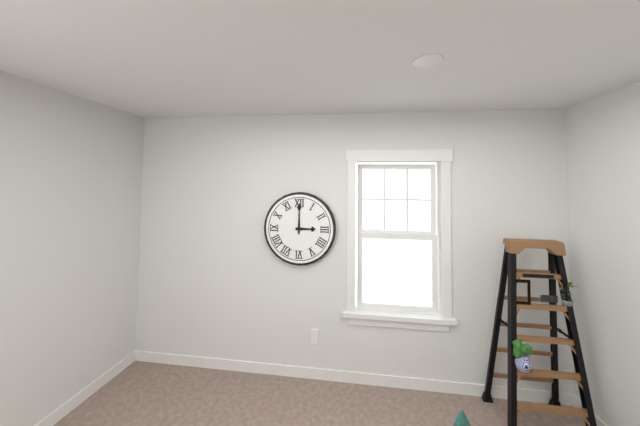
3:00
